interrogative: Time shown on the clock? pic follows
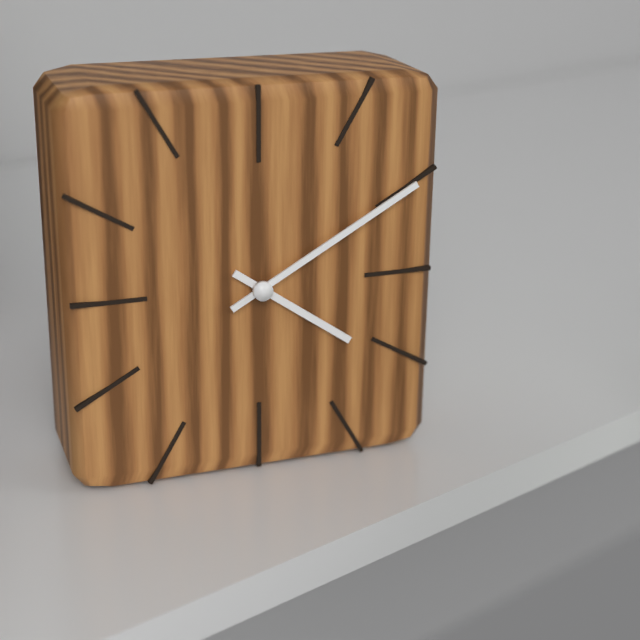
4:10
